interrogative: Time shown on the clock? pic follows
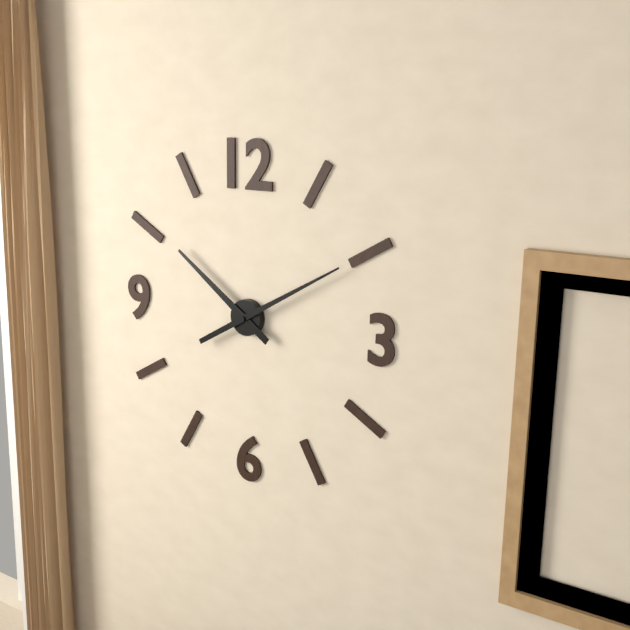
10:10
